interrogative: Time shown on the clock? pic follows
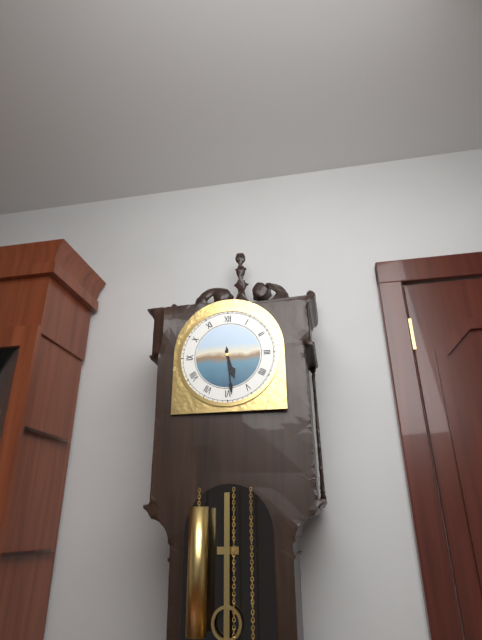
5:29
